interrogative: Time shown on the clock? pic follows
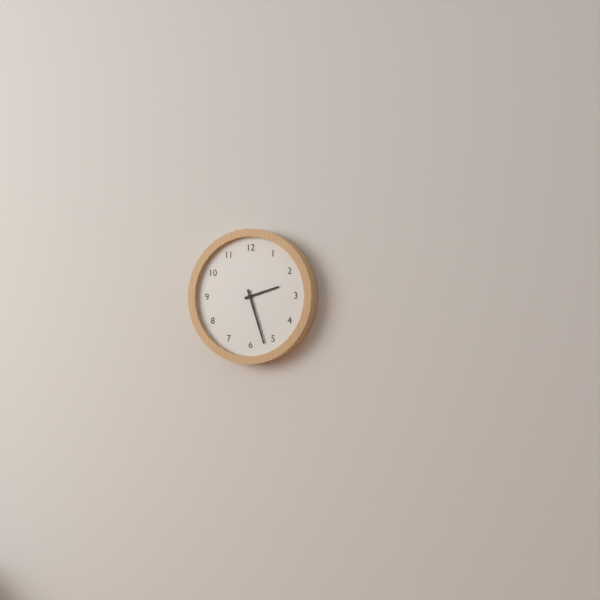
2:27
